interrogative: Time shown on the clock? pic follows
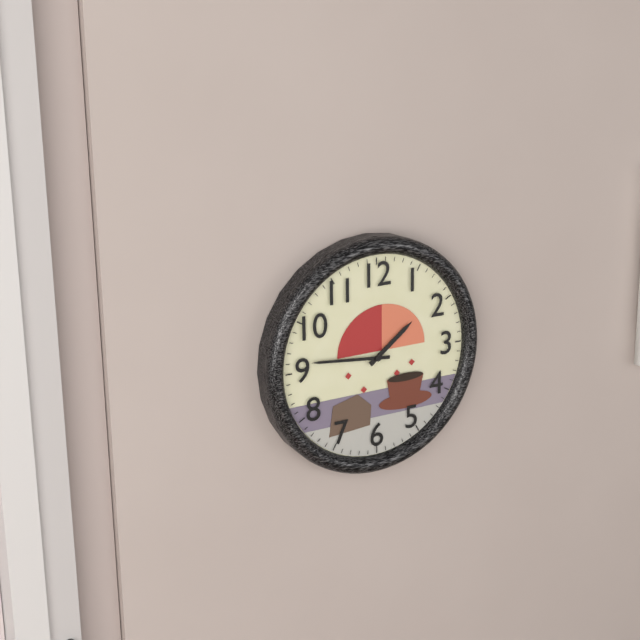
1:46
